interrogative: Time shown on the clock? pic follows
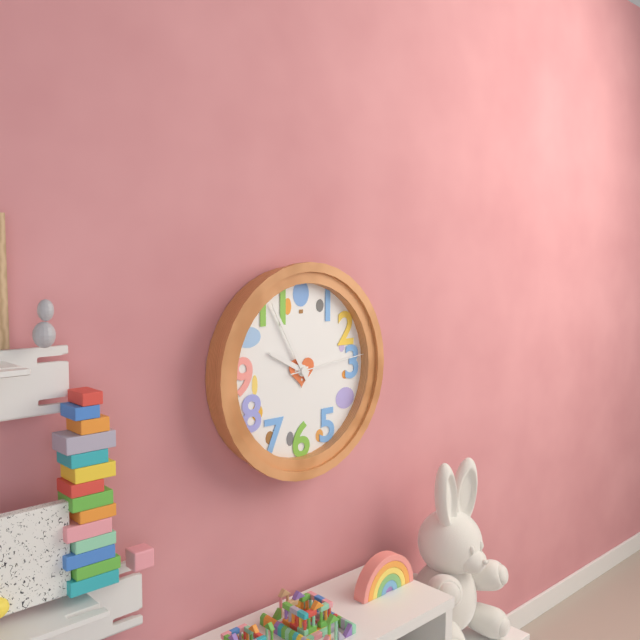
9:55:14
